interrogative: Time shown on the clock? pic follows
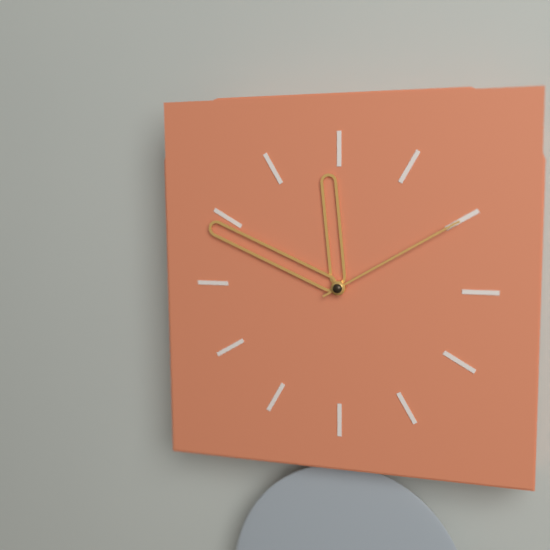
11:49:10
